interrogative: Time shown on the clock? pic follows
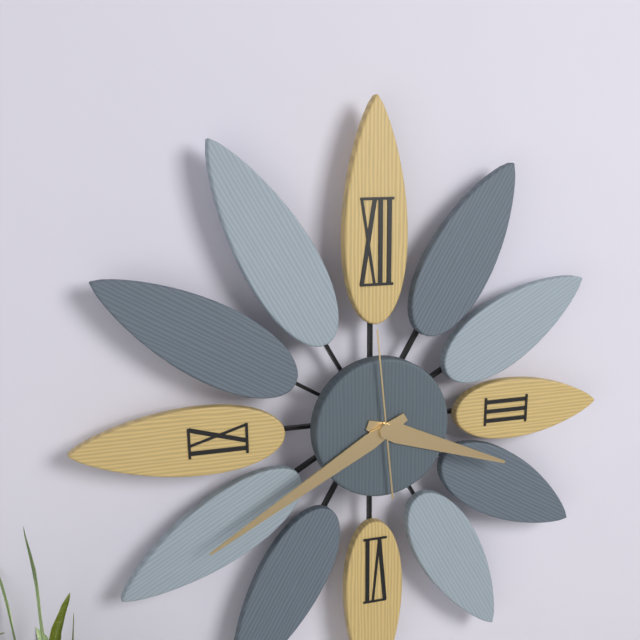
3:40:59
